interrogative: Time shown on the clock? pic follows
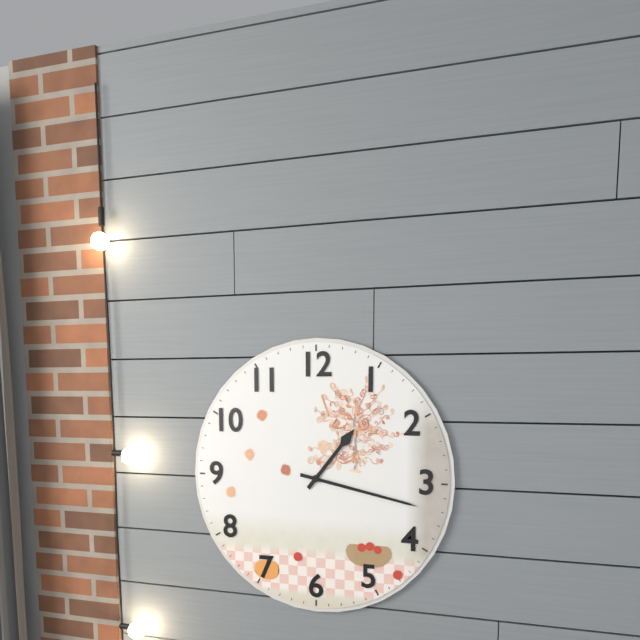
1:17
